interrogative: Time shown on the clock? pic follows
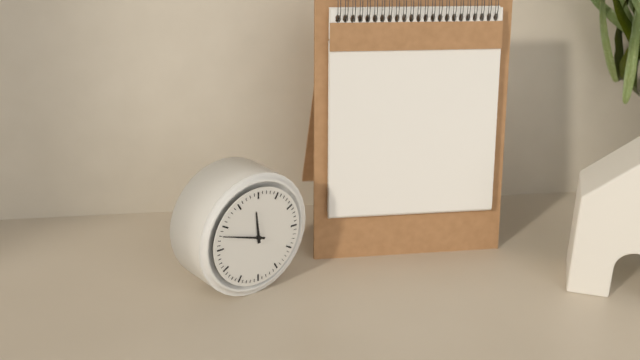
11:48
